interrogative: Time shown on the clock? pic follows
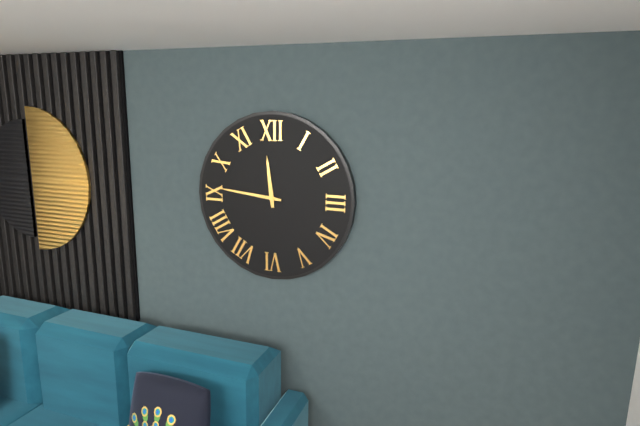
11:46
